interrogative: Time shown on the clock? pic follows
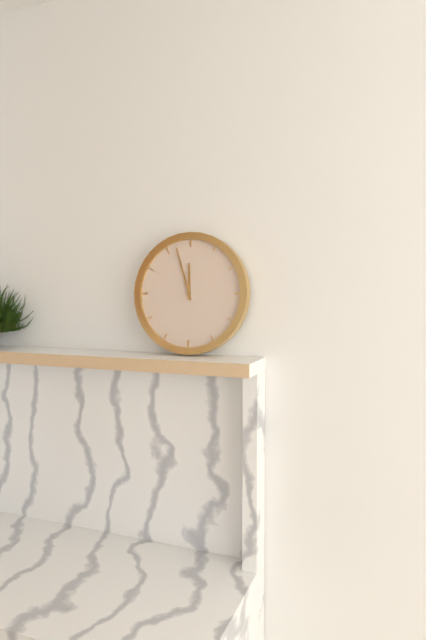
11:57
